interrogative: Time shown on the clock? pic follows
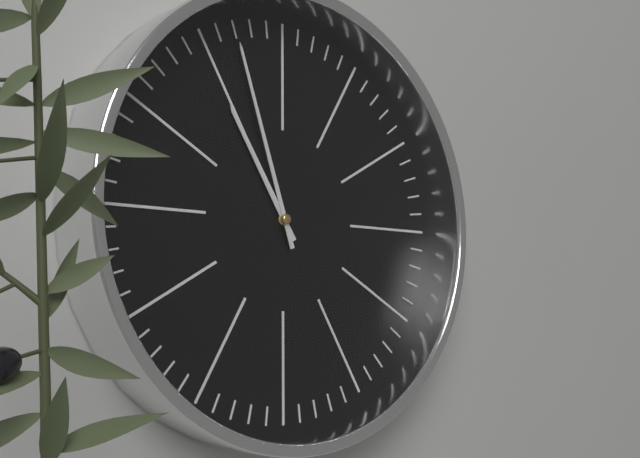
10:57
